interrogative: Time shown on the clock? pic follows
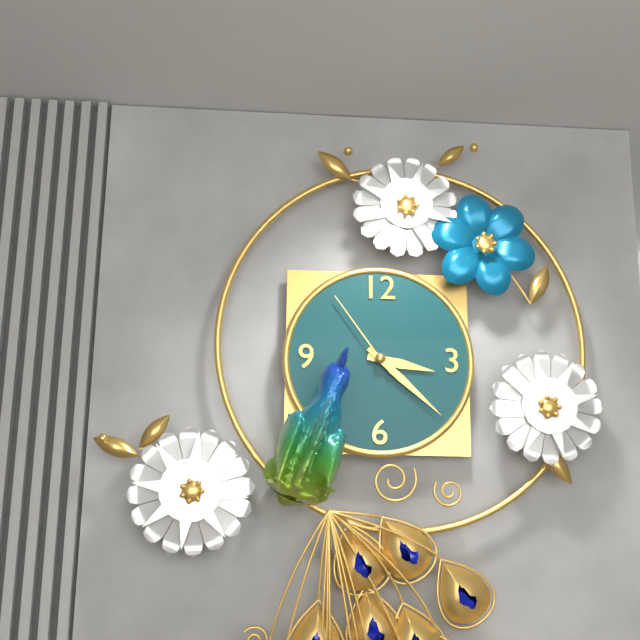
3:22:54
